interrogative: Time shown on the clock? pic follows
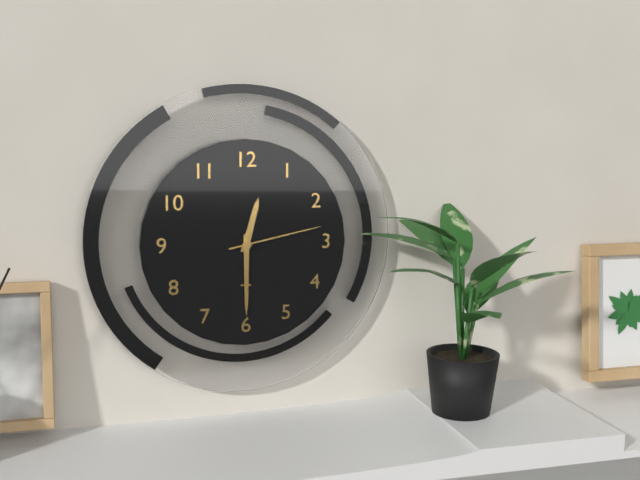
12:30:13
